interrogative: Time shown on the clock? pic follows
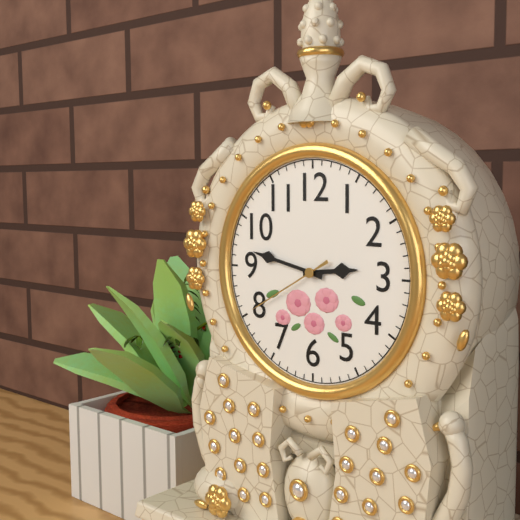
2:47:40
